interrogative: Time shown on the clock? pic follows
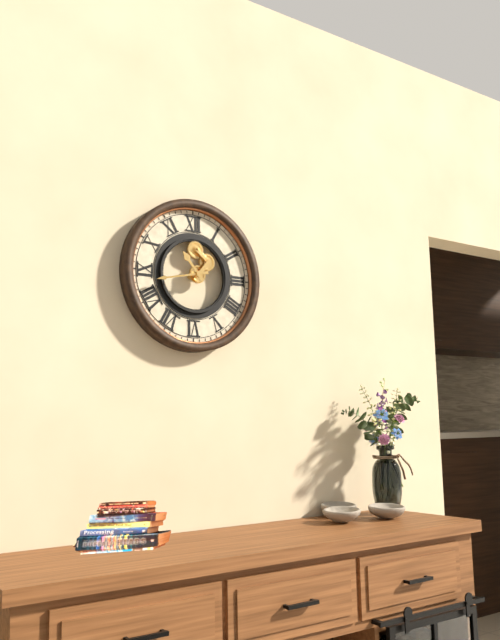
10:43
